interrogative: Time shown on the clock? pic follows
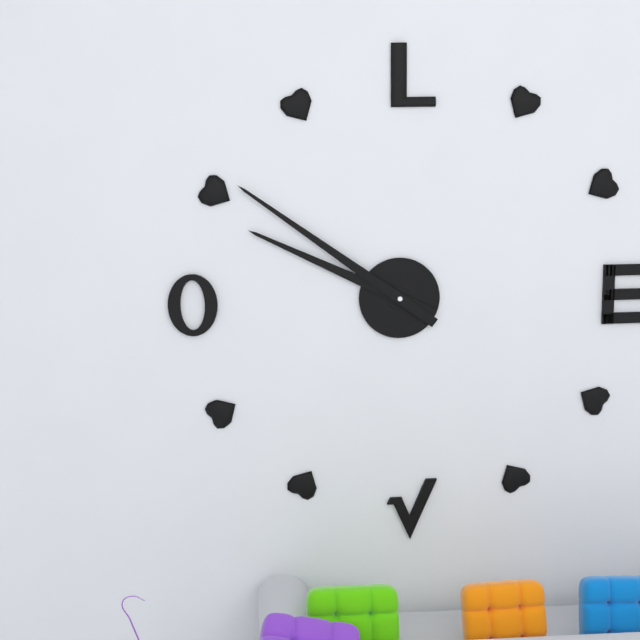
9:51
